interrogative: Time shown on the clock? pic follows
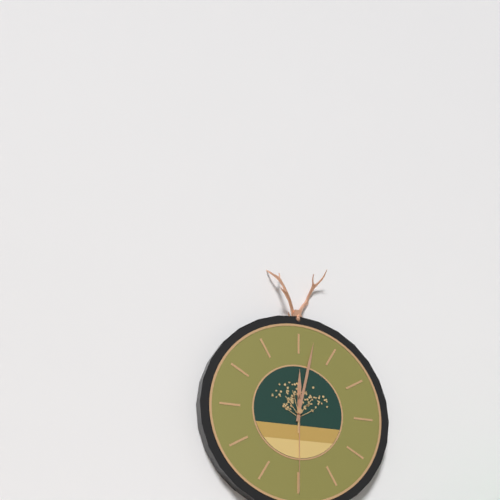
12:02:30
